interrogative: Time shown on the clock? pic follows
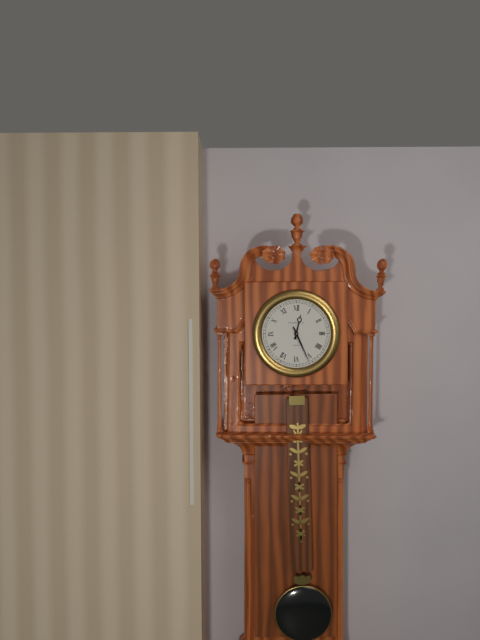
12:26
